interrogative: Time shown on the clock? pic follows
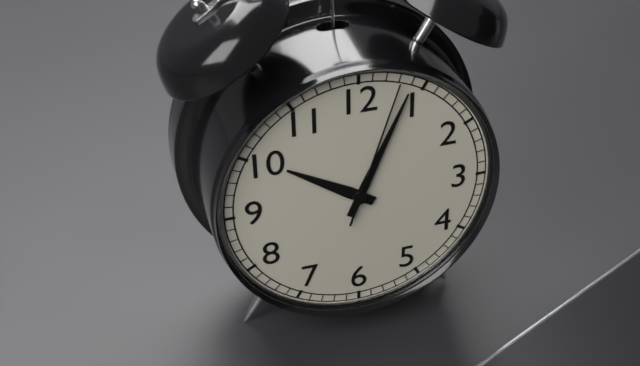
10:04:03
